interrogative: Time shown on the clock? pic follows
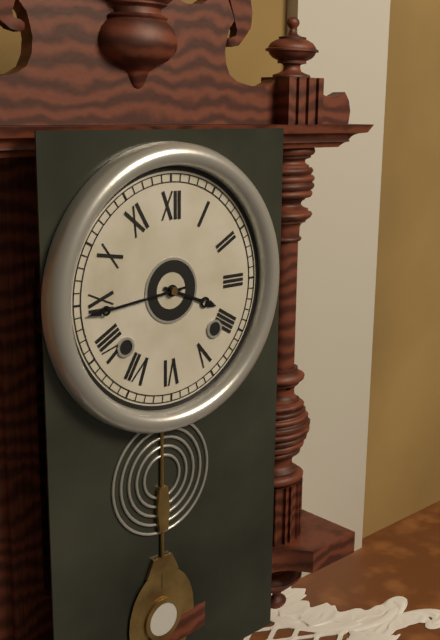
3:44
